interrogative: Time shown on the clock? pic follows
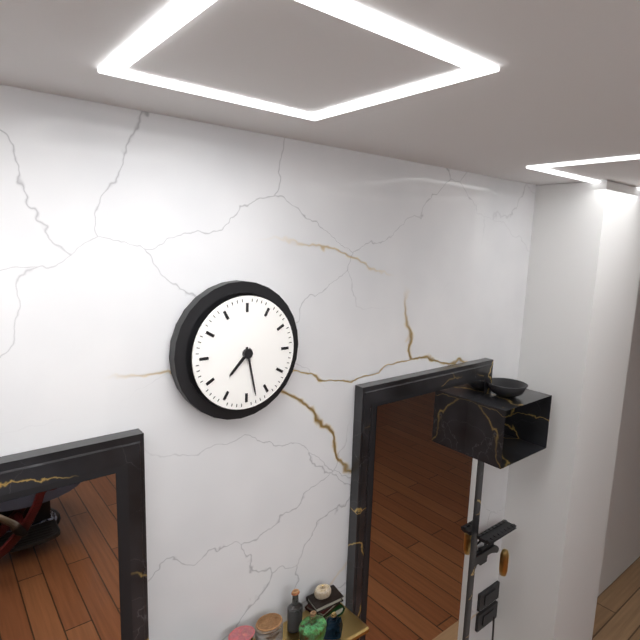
7:28
